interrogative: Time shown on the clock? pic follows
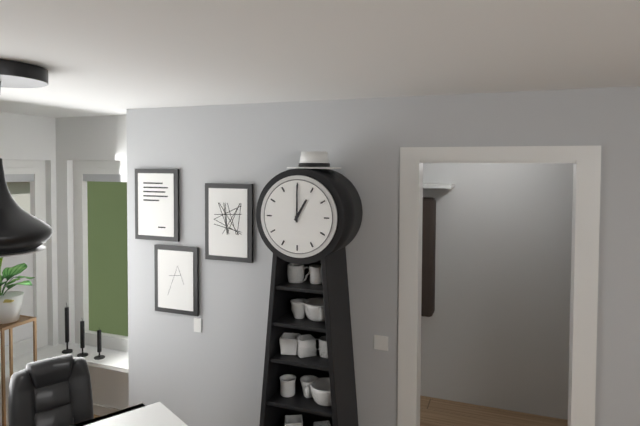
1:00
